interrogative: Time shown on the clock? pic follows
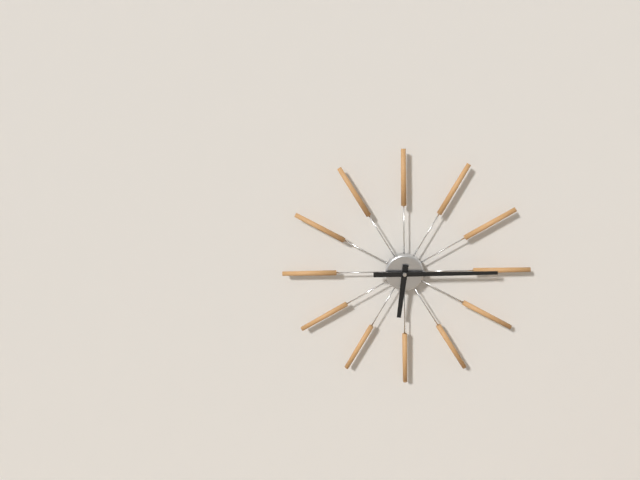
6:15
